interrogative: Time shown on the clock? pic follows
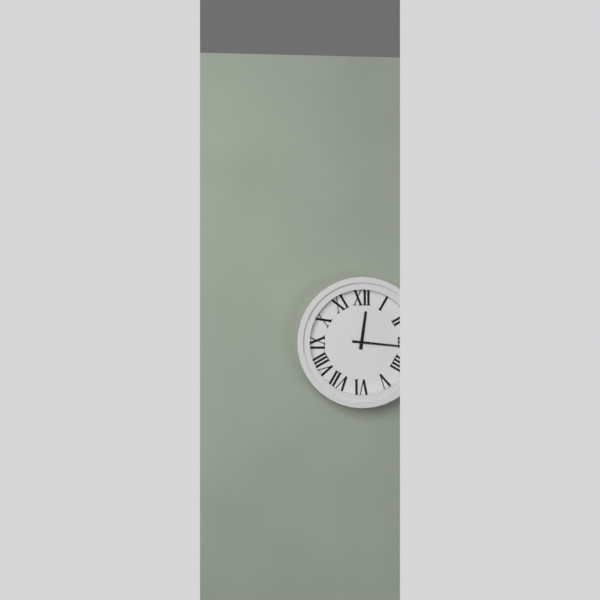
12:16
